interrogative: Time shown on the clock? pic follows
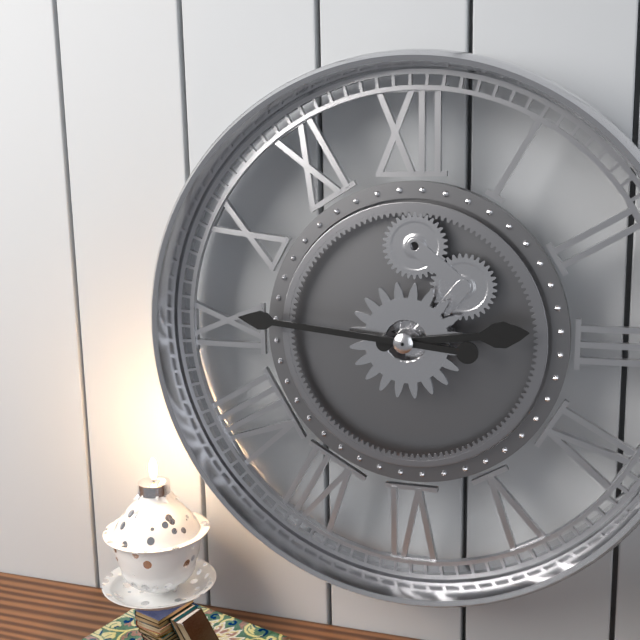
2:46
